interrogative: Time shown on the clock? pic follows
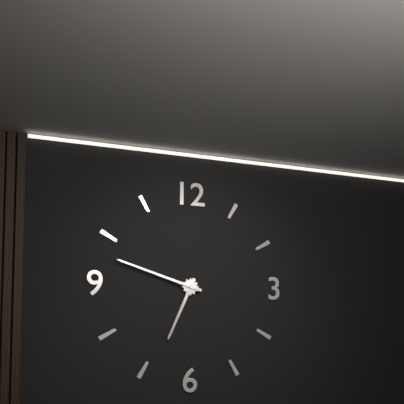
6:48
